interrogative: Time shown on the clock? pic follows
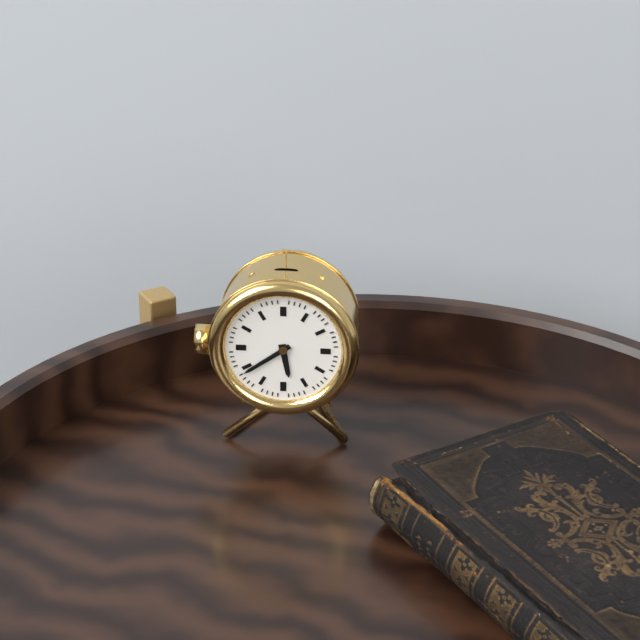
5:39
